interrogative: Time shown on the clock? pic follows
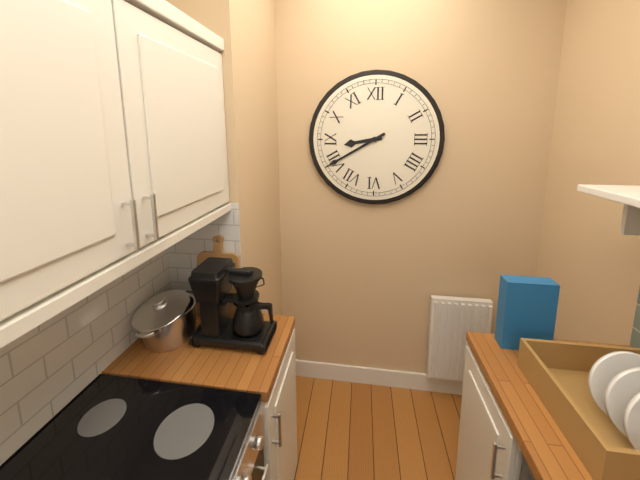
8:40
